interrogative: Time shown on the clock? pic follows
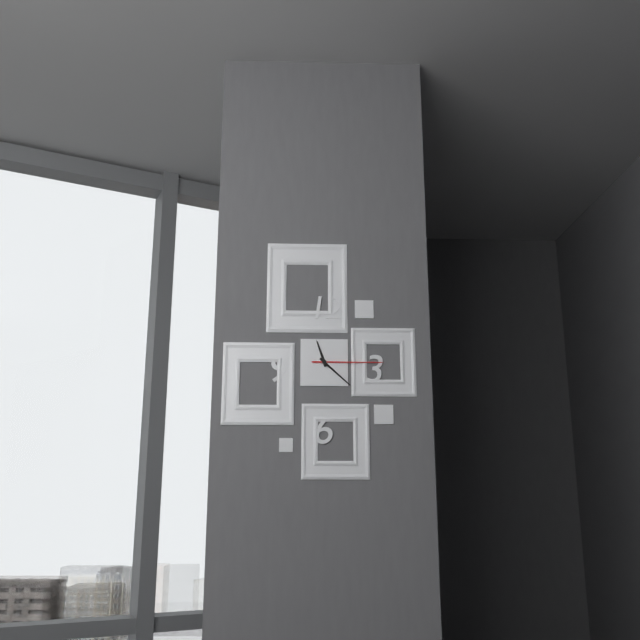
11:22:15
